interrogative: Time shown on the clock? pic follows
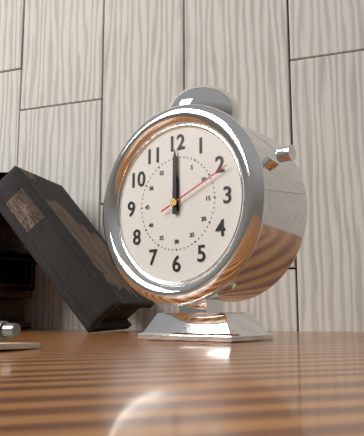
12:00:11
